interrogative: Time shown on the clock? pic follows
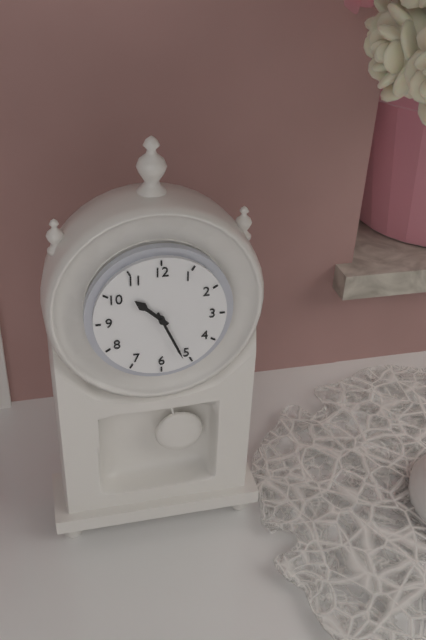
10:26
